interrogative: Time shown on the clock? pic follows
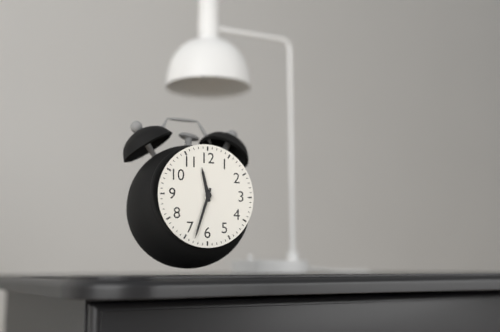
11:33
